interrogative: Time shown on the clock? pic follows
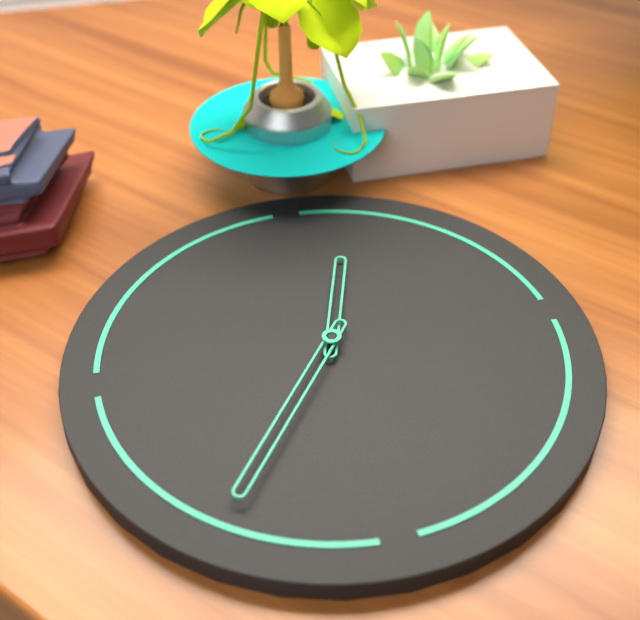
12:36
